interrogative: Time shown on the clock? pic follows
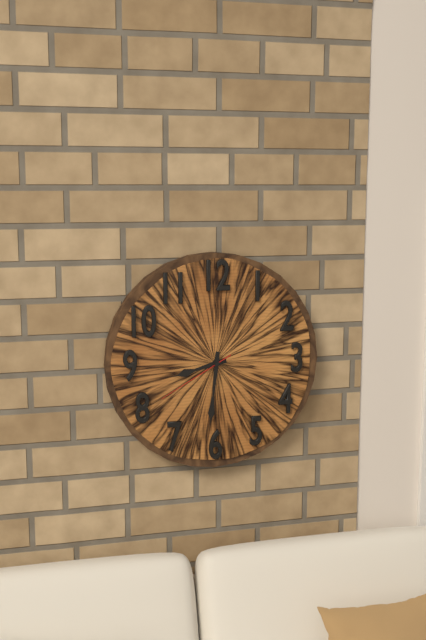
8:31:40
